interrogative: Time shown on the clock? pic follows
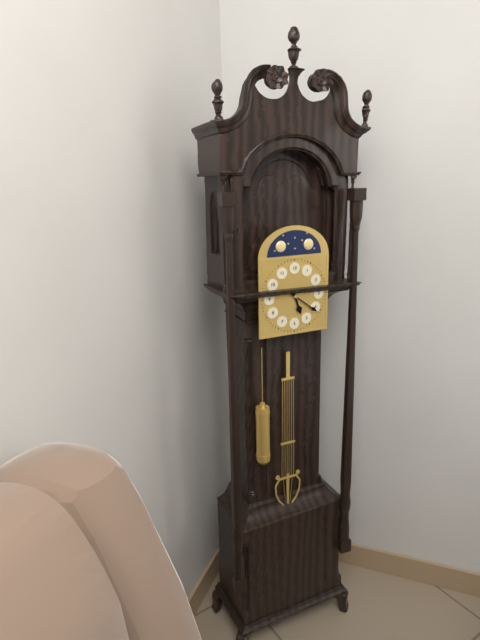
5:21
